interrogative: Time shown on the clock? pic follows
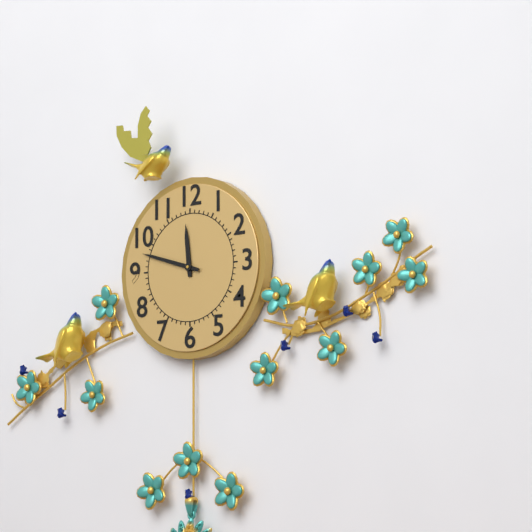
11:48
